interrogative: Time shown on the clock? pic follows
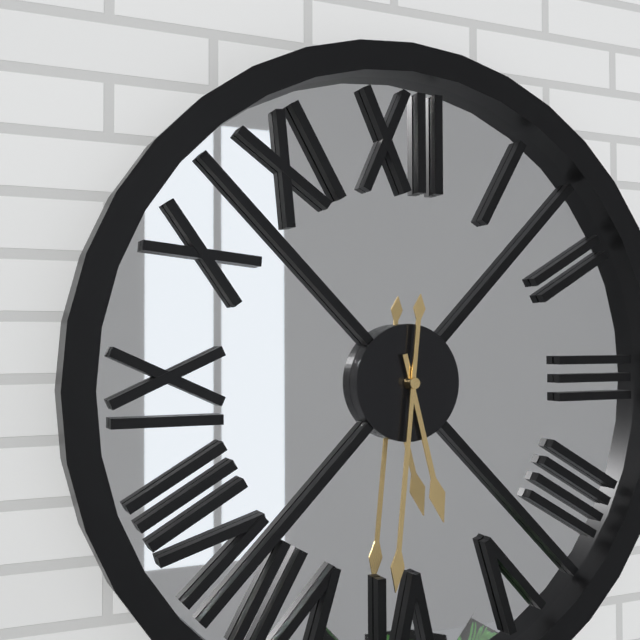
5:31
